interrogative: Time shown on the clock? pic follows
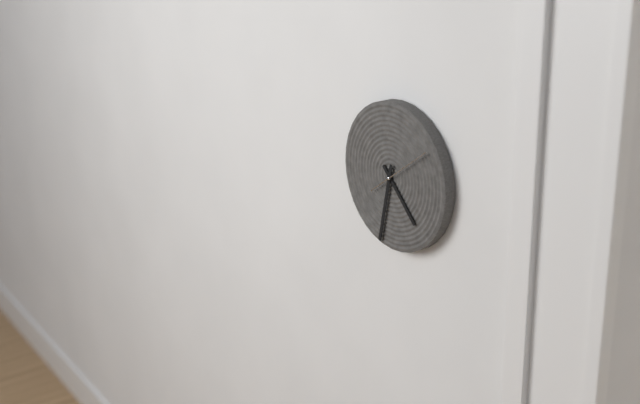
4:32:09
